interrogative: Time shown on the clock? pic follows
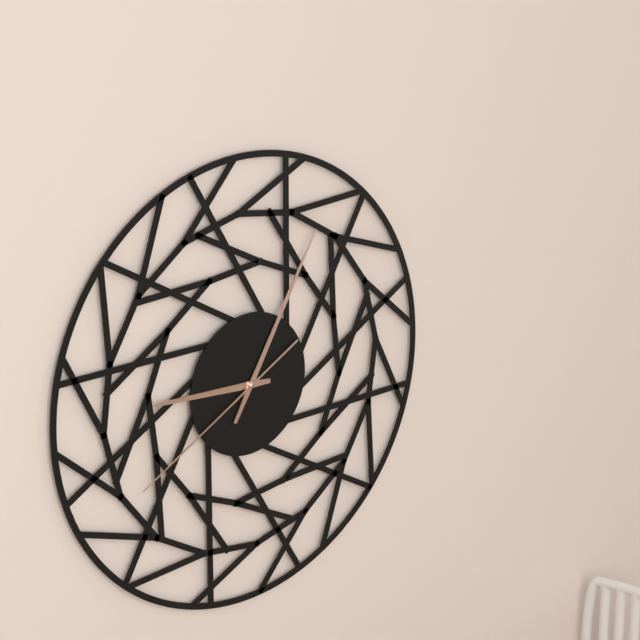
9:05:40
